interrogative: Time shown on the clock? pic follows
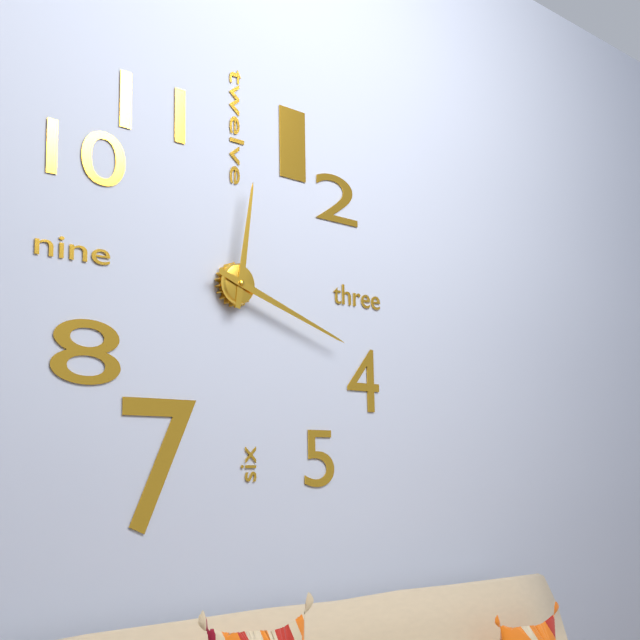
12:18
